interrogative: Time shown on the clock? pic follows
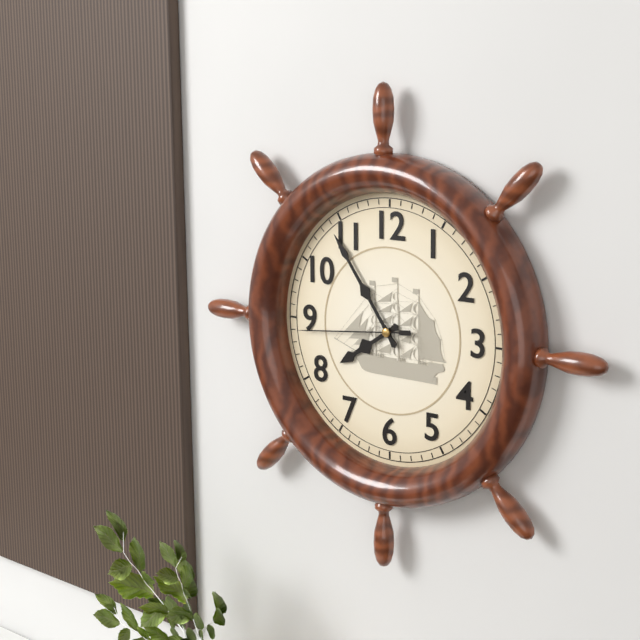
7:54:44
